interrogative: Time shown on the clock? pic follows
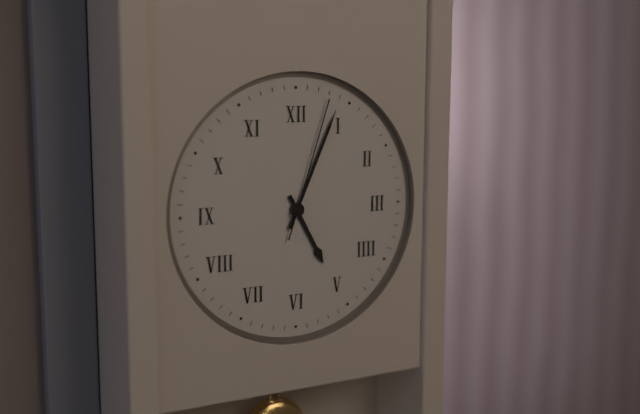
5:04:03
